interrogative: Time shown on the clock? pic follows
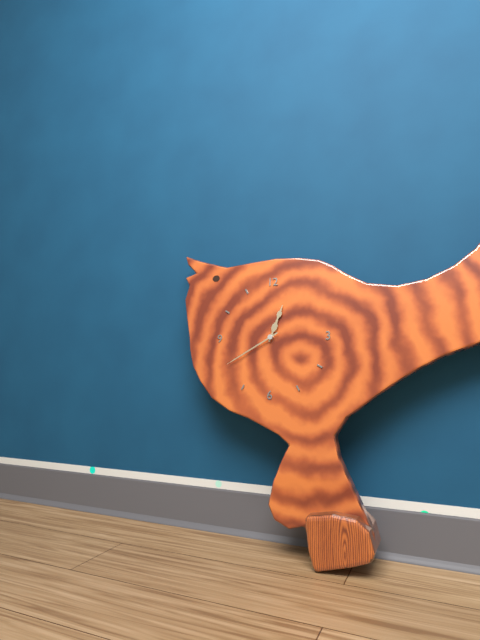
12:40
